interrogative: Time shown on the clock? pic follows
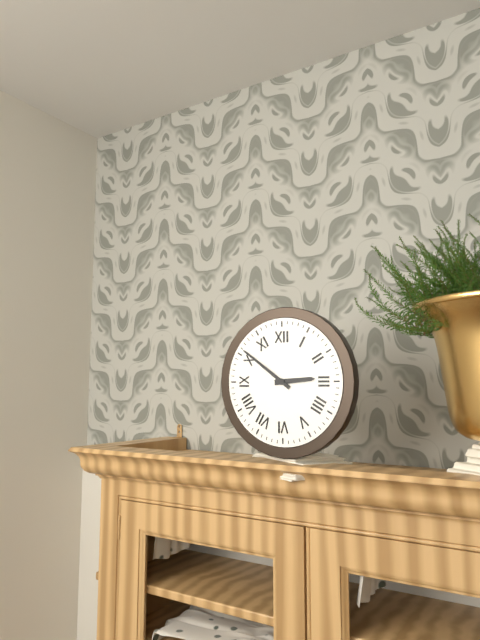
2:51
